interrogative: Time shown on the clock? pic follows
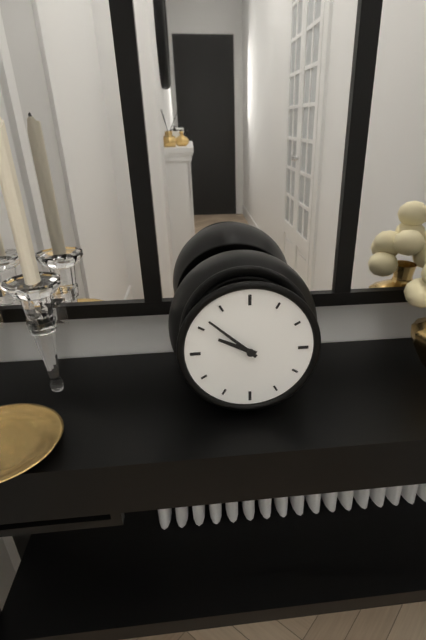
9:52
